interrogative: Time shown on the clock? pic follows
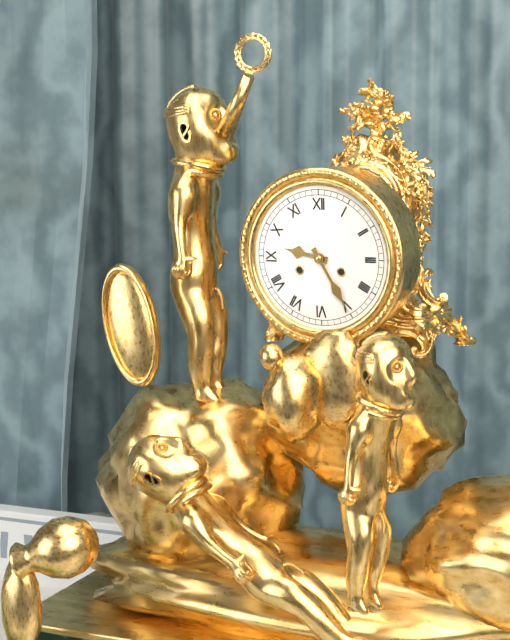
9:25
